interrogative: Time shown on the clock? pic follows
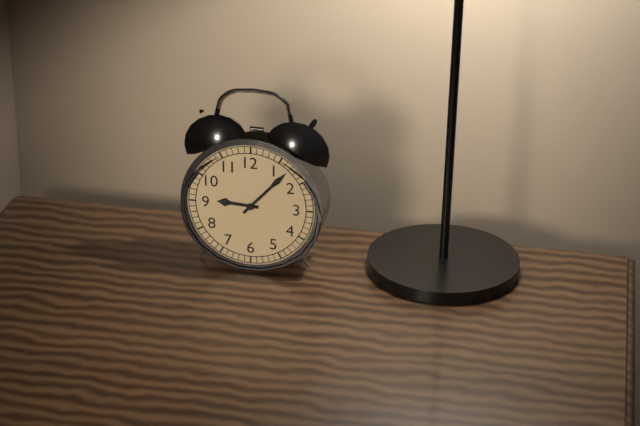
9:07
